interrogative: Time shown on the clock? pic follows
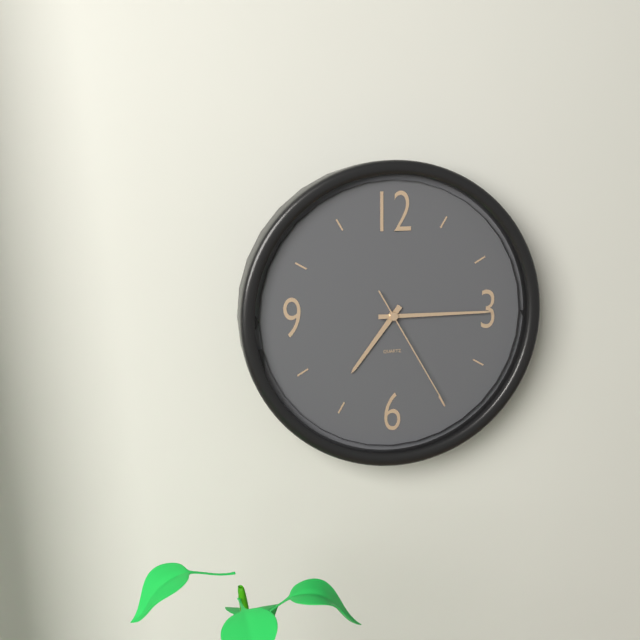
7:15:25
